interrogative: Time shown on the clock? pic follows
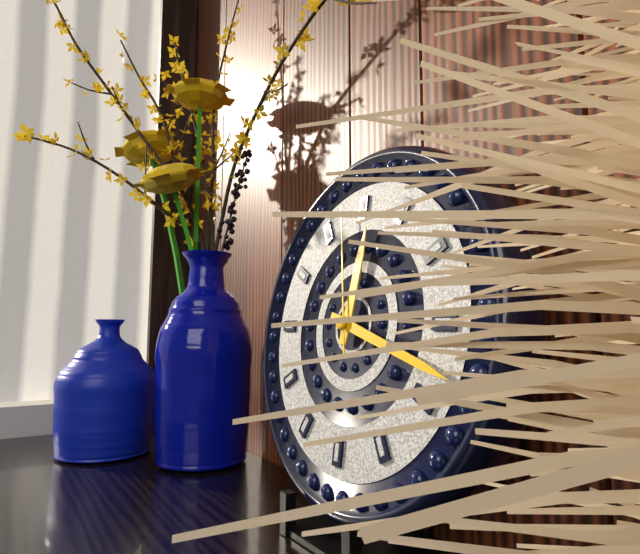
12:18:58
